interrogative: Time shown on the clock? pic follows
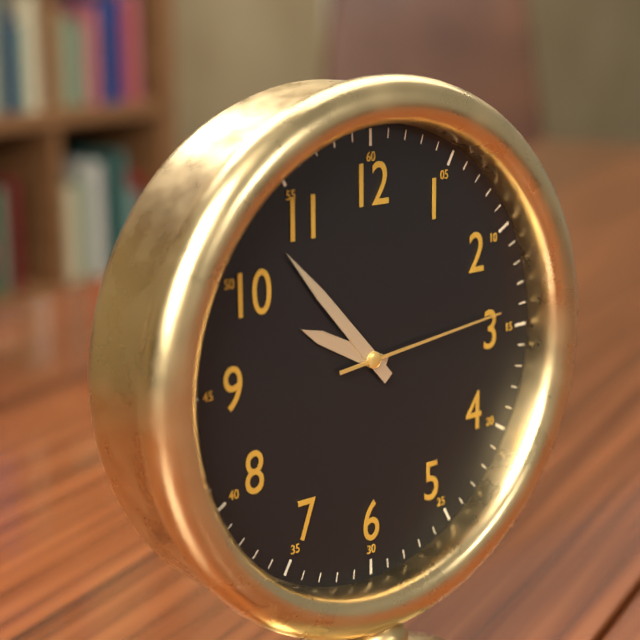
9:53:14
